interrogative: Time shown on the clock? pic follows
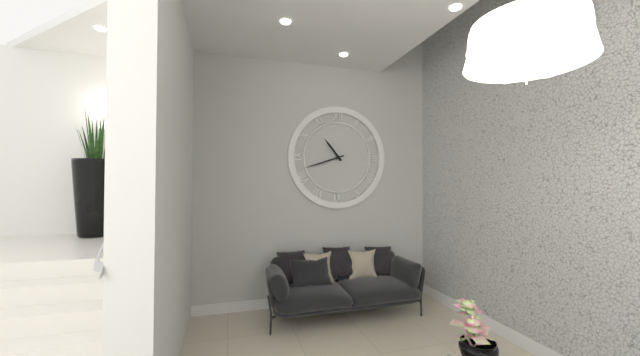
10:42
